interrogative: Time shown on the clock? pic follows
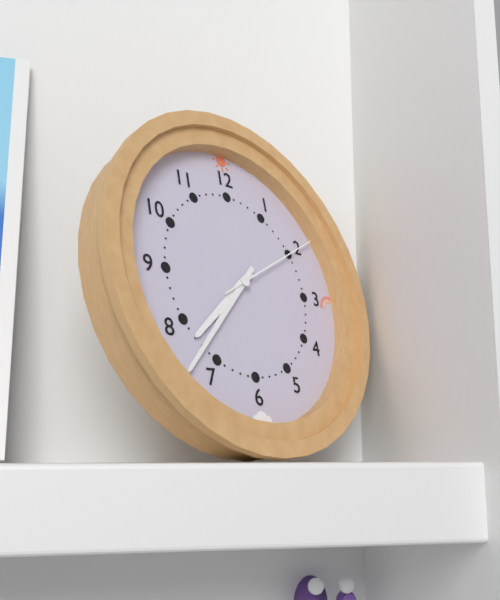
7:37:10
